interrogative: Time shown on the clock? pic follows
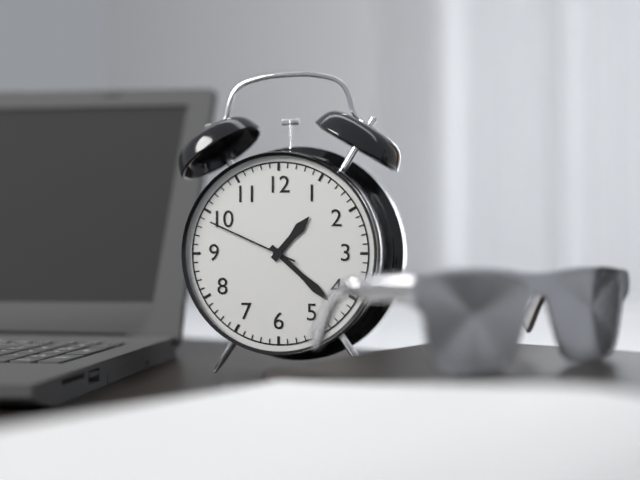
1:22:49
